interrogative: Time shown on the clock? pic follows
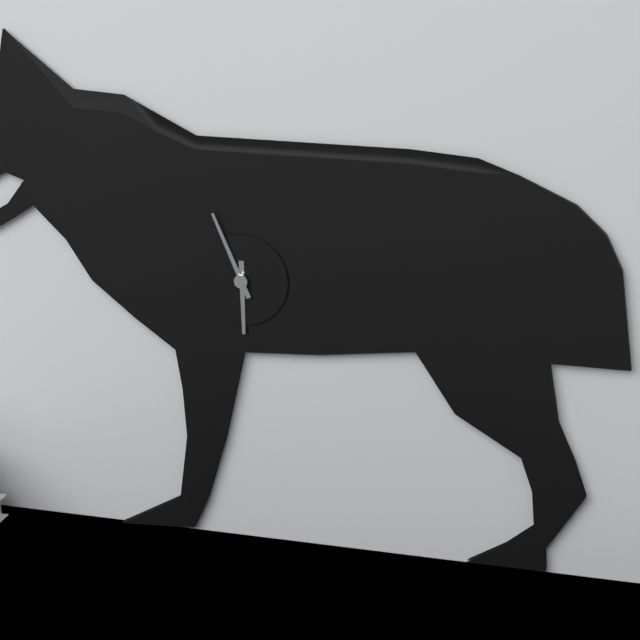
5:56
